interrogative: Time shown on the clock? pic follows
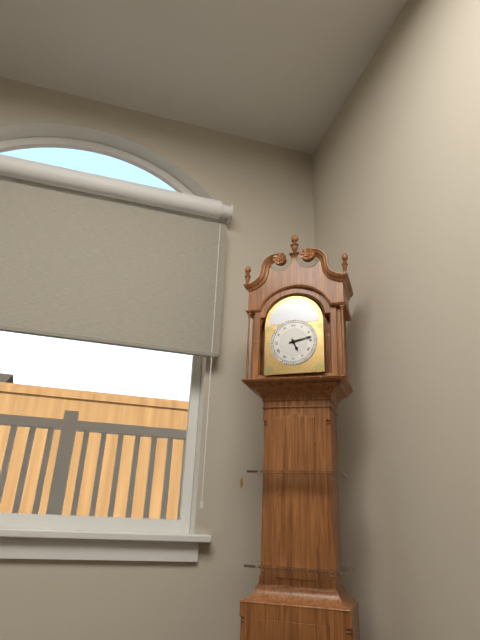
5:13
